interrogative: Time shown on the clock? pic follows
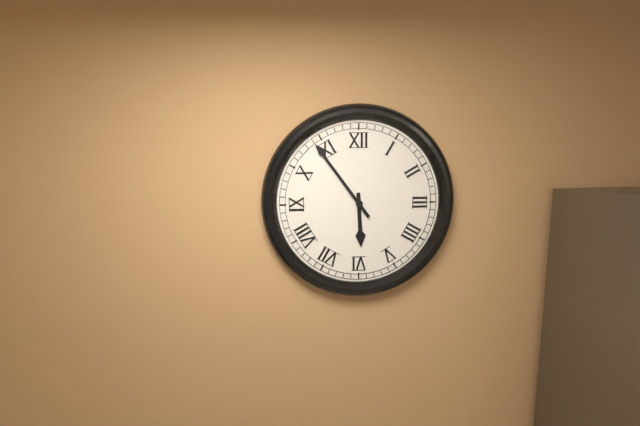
5:54
